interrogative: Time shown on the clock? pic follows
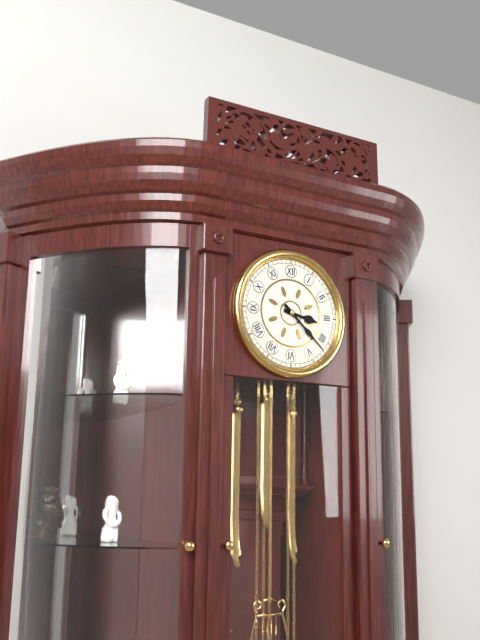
3:22
